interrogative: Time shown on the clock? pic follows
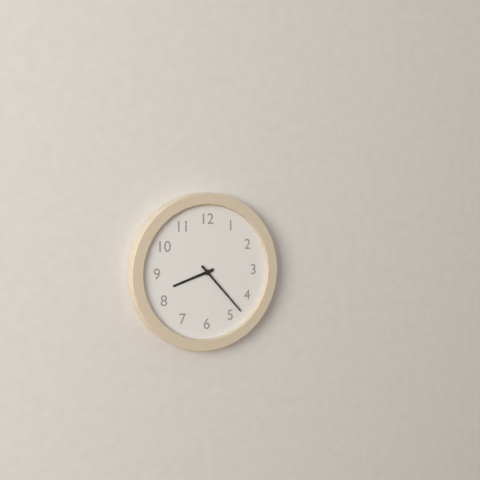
8:23
